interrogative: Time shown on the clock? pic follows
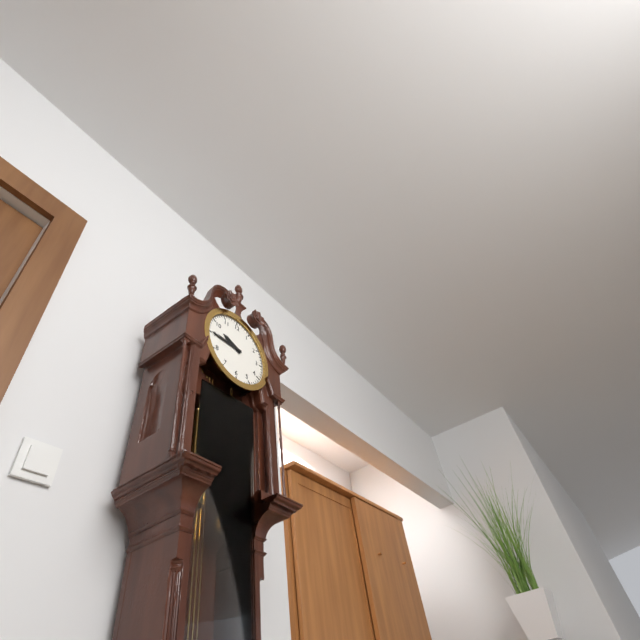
9:45
